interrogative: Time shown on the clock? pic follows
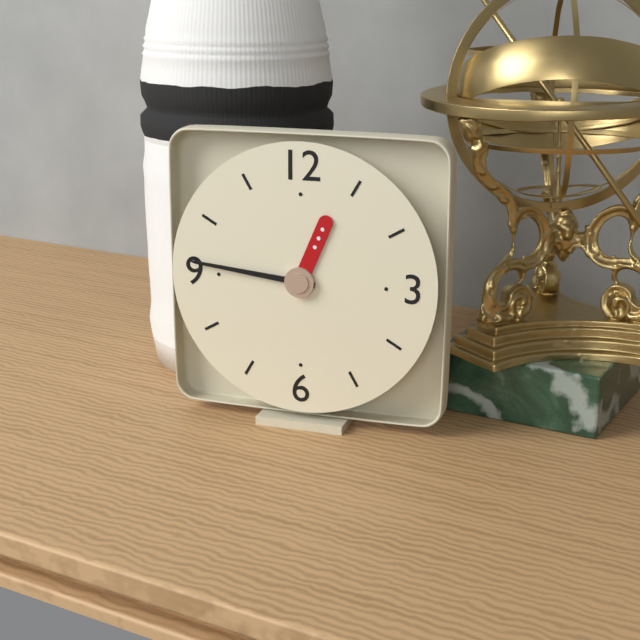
12:46
